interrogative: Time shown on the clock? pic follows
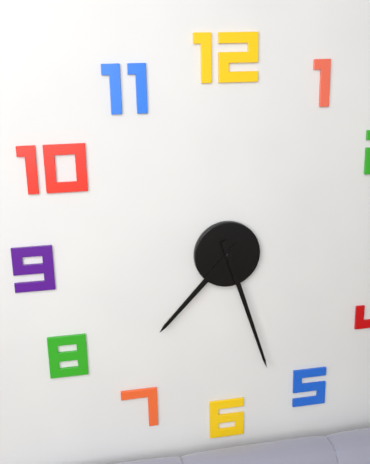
7:27
